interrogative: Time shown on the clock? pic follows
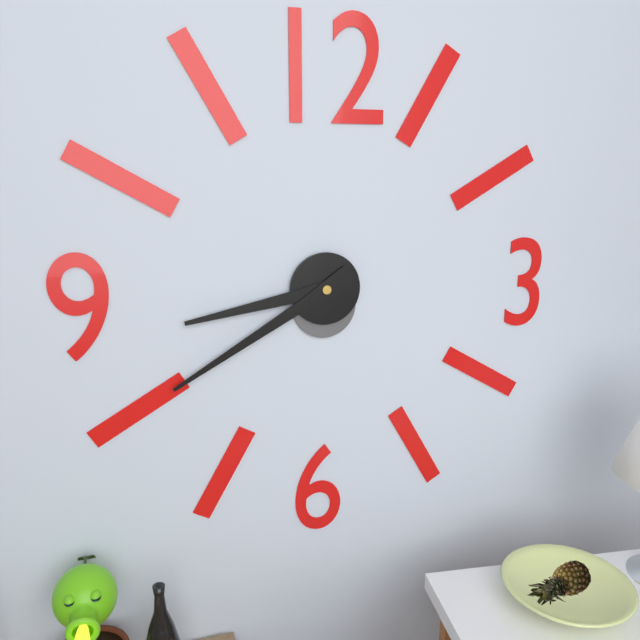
8:40
